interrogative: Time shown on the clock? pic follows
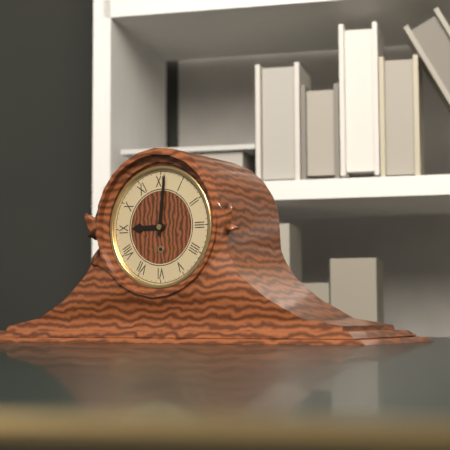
9:01
